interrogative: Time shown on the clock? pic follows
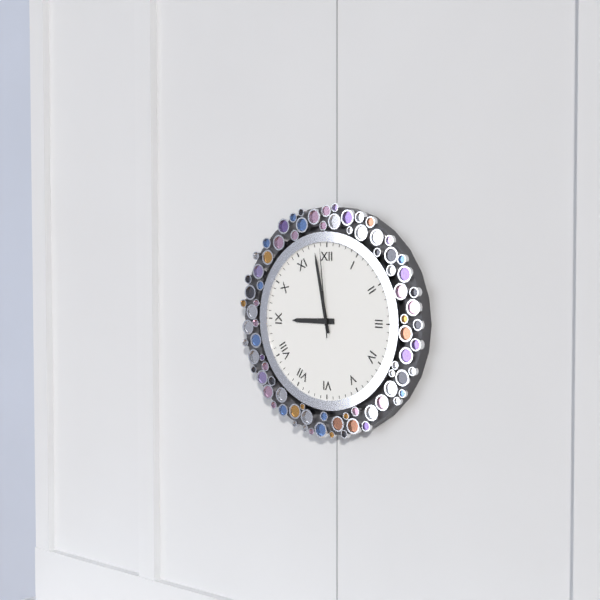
8:58:59
